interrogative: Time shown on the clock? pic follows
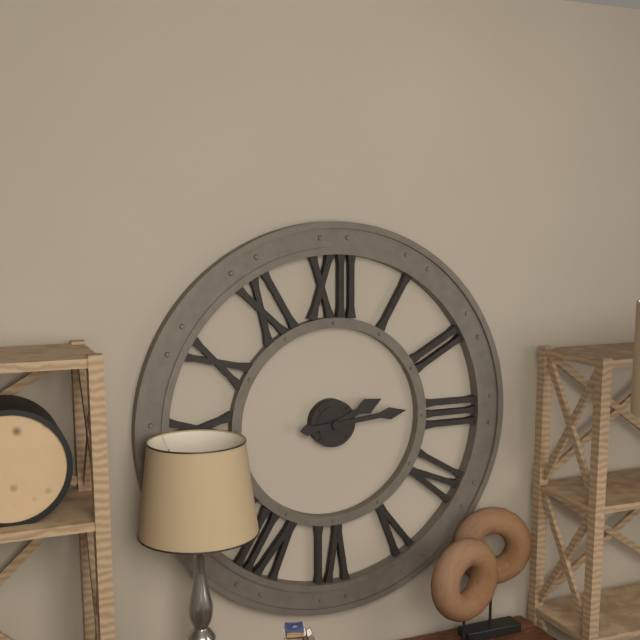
2:14
